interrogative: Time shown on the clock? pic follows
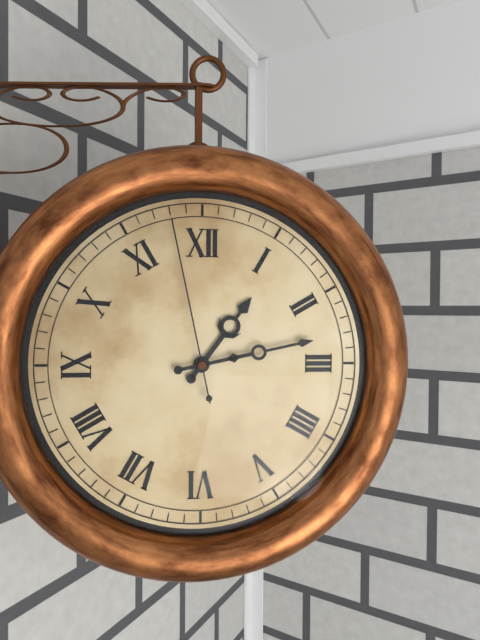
1:13:58
